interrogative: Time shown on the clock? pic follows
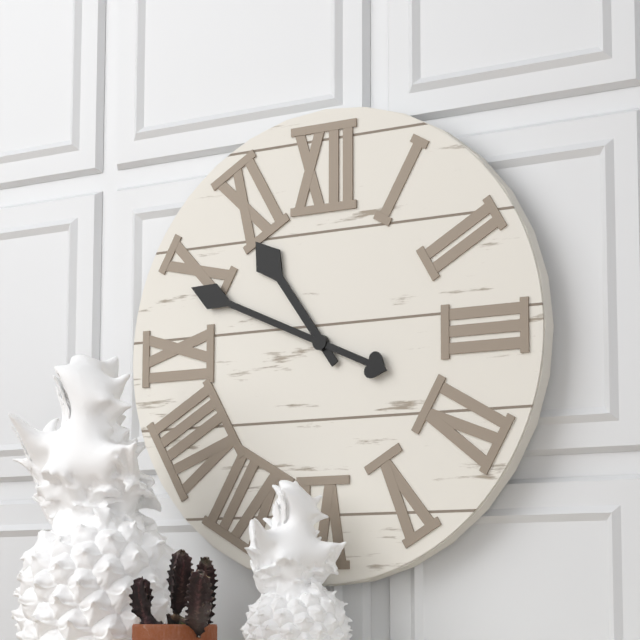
10:49
